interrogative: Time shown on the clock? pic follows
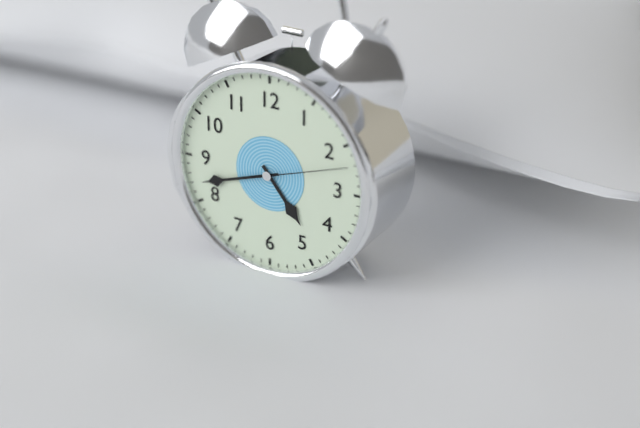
4:42:12
